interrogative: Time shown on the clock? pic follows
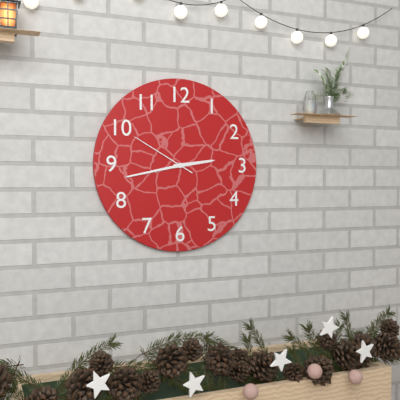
2:43:50
